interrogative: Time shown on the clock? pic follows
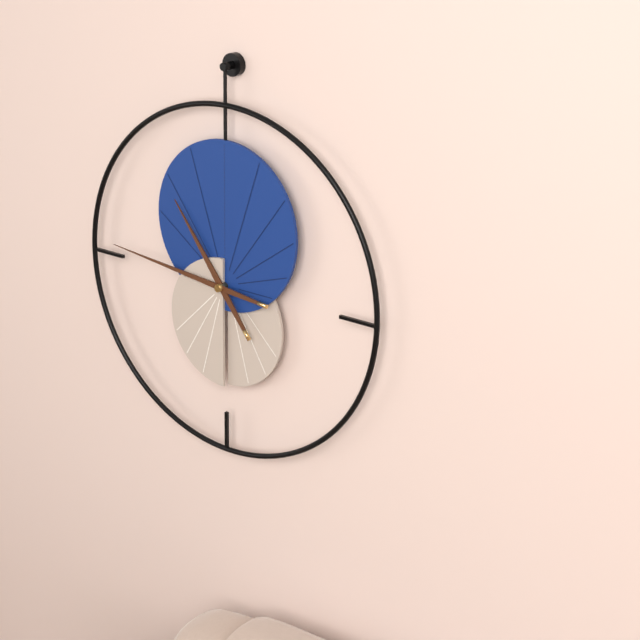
10:46
